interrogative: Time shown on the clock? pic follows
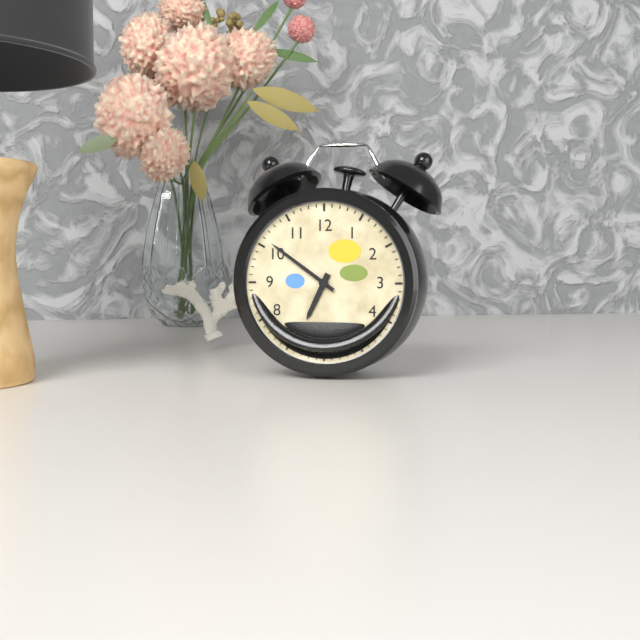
6:51
